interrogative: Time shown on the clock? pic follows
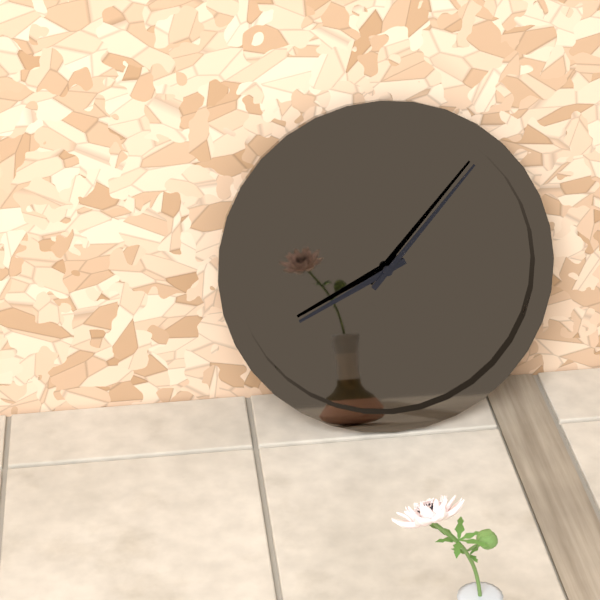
8:07
